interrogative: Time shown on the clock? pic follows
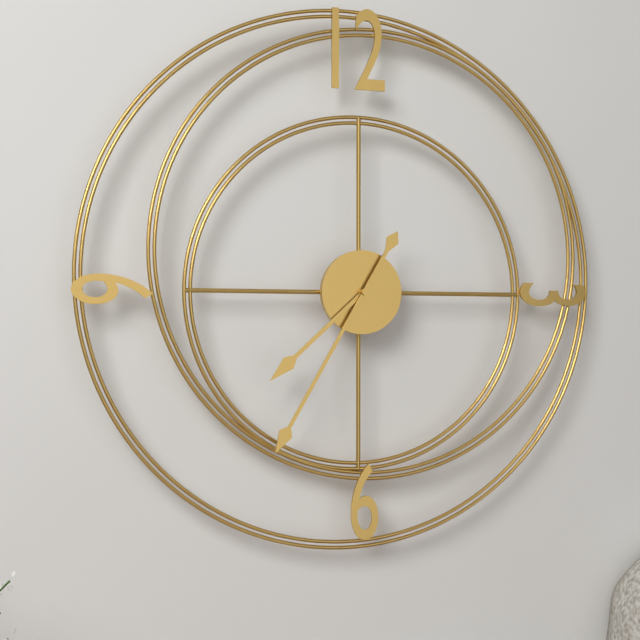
7:35
